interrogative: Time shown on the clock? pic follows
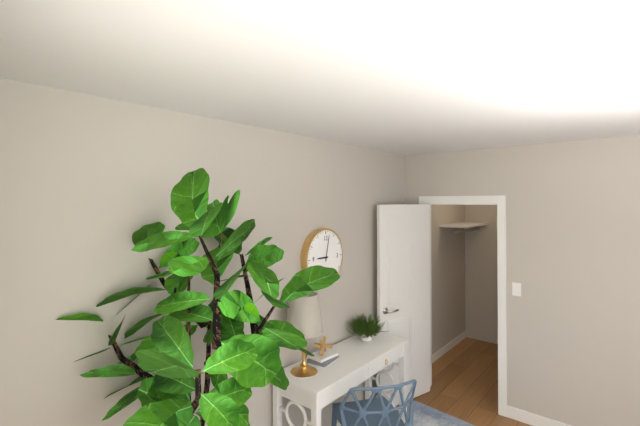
9:02
